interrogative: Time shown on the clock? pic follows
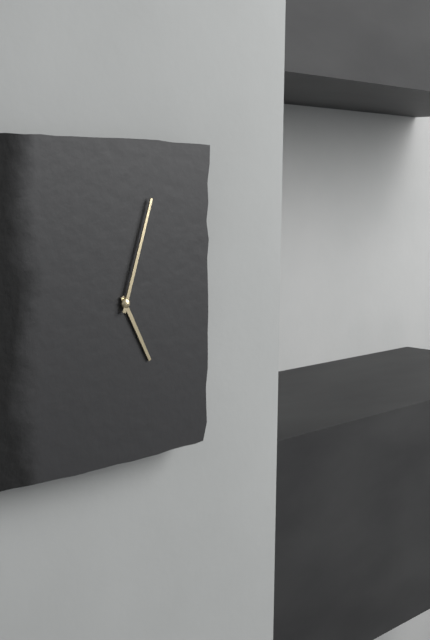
5:03
